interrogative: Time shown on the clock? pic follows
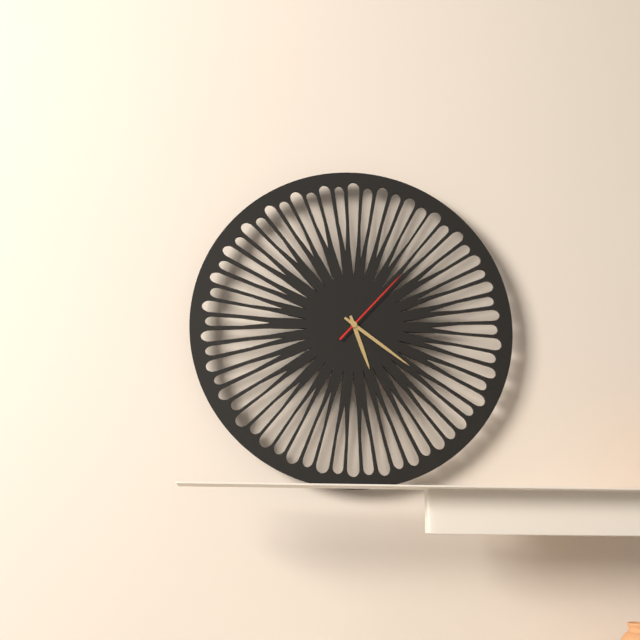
5:21:07
